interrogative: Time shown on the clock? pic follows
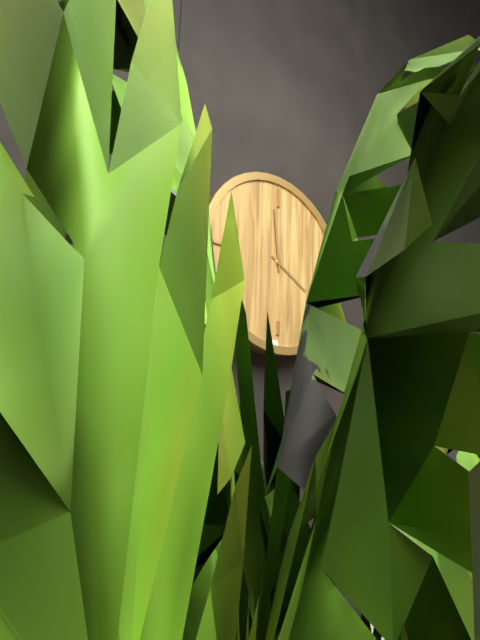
3:59
